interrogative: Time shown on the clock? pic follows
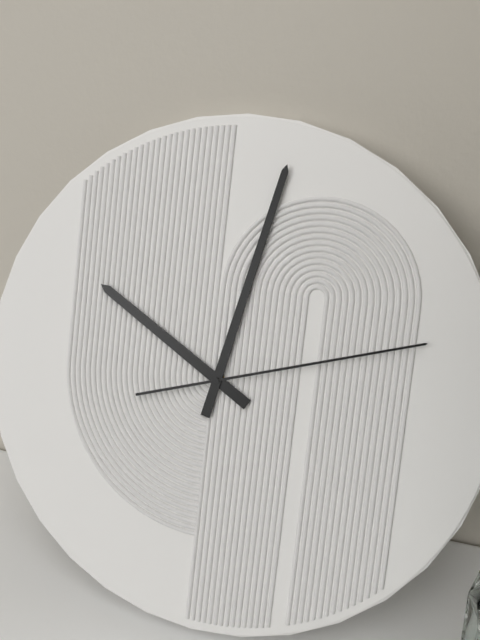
10:02:12
